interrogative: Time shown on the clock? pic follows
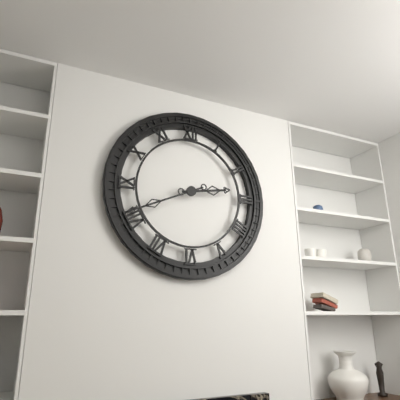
2:41
